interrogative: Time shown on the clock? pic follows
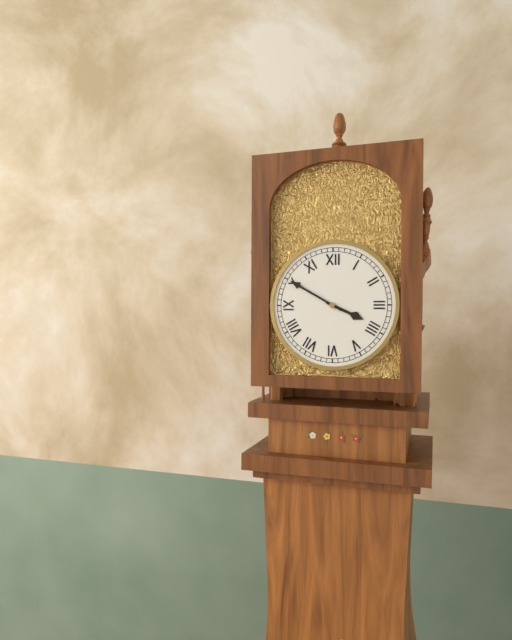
3:50
